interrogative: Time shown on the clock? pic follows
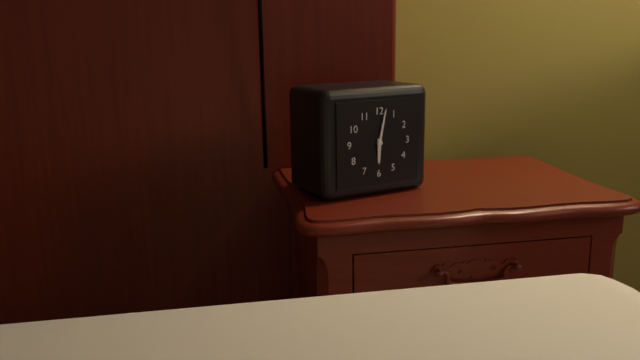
6:02
